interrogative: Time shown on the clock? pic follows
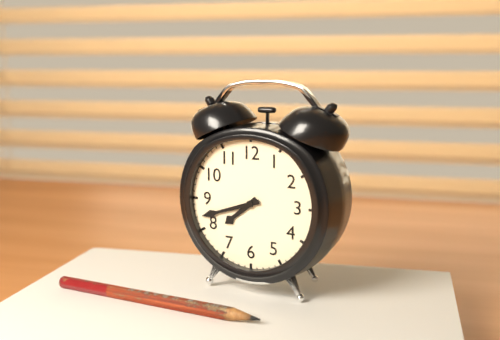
7:42
